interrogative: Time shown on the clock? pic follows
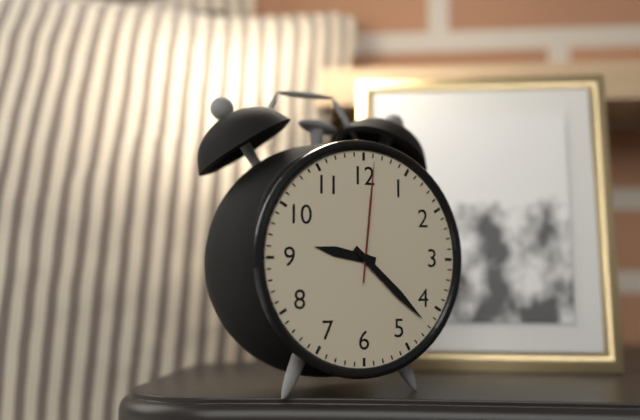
9:22:01
